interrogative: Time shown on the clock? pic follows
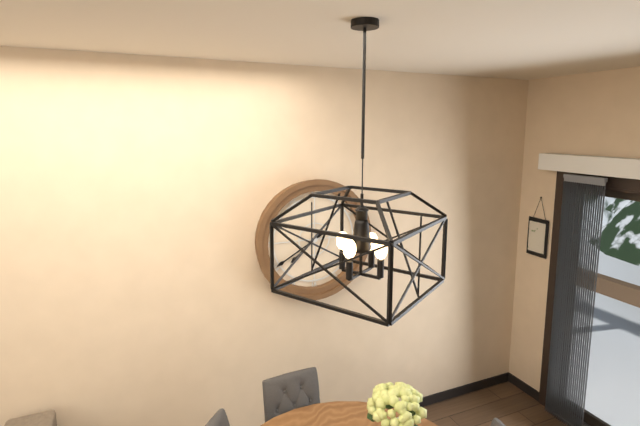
7:40
